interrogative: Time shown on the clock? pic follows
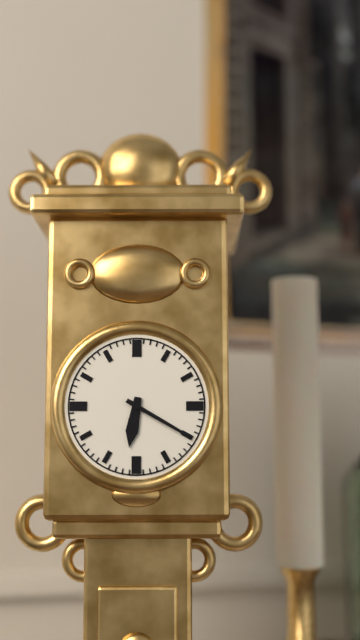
6:20
